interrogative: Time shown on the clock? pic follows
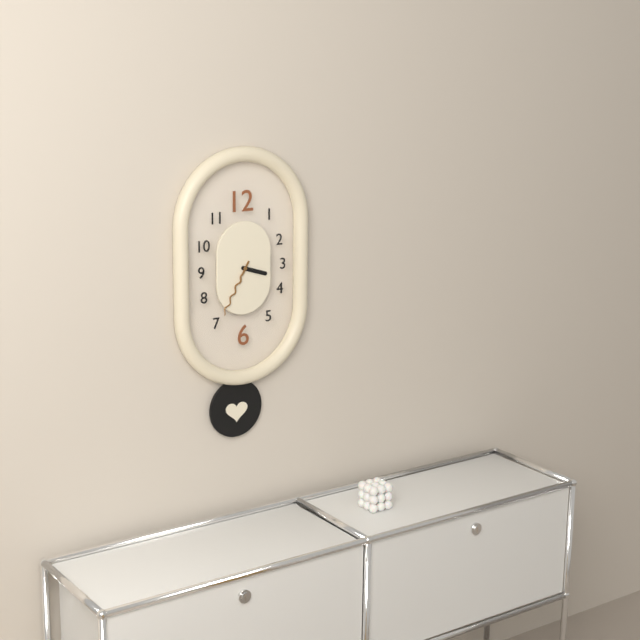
3:35
